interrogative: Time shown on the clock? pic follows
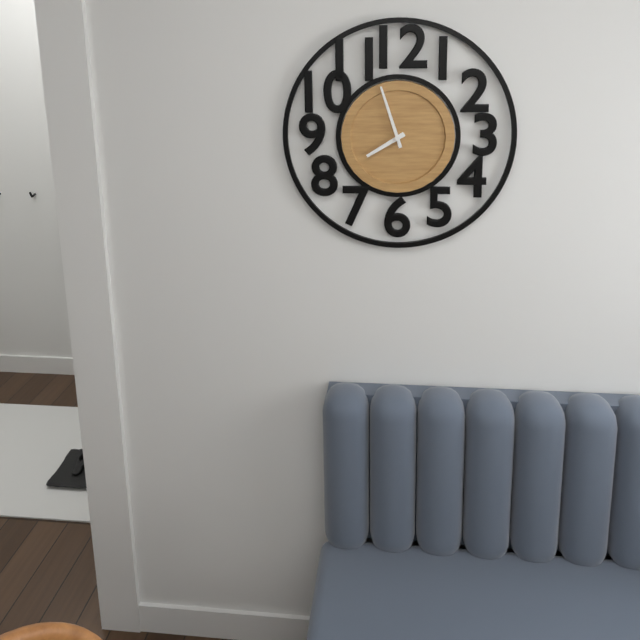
7:57
